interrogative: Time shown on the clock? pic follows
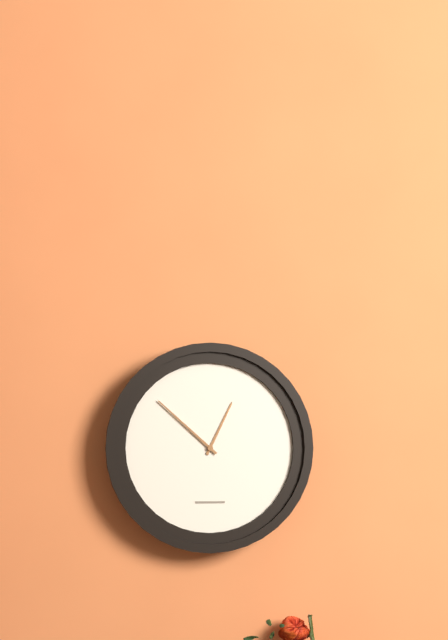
12:52
